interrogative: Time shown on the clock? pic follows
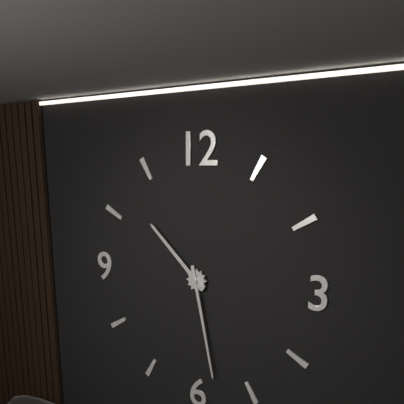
10:28
